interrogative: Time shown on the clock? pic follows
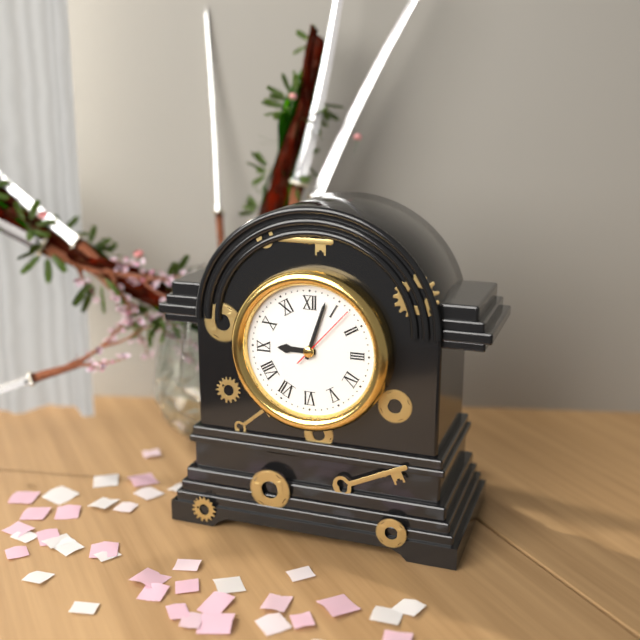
9:03:07
